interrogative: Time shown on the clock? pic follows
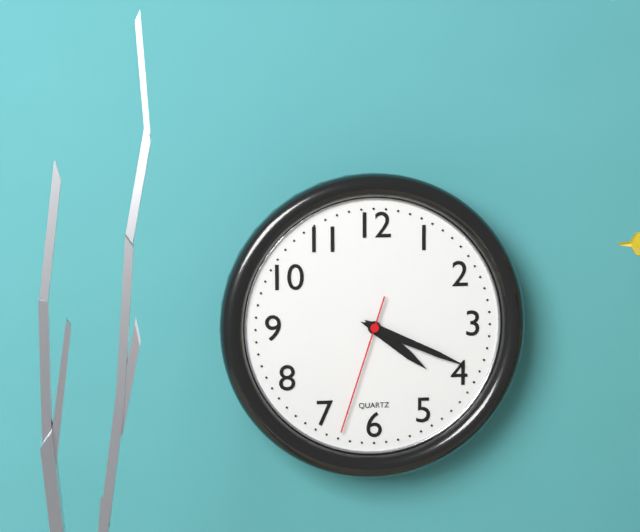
4:19:33
